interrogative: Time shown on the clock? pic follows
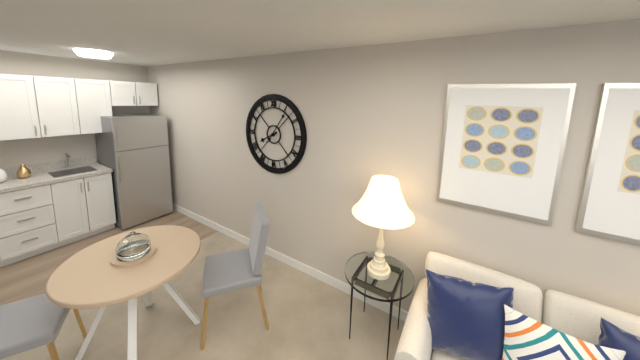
8:06
